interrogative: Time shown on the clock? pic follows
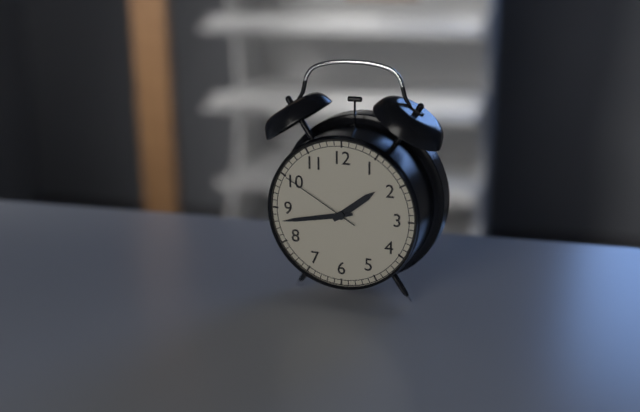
1:43:50
